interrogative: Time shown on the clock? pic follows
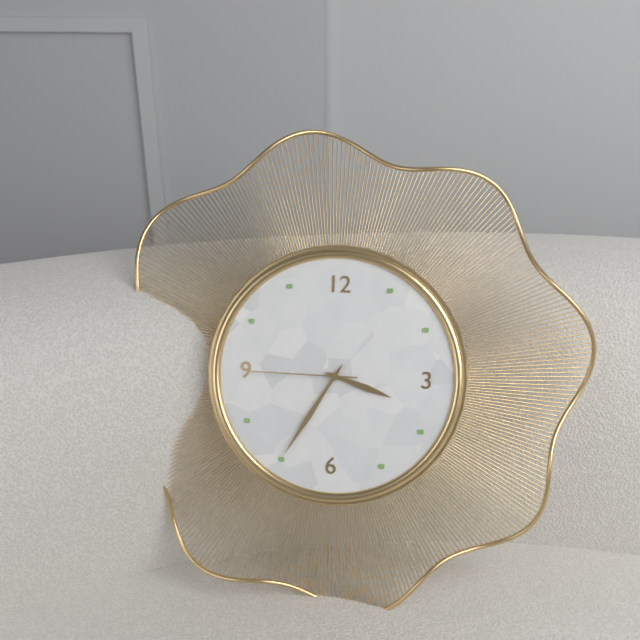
3:35:45
